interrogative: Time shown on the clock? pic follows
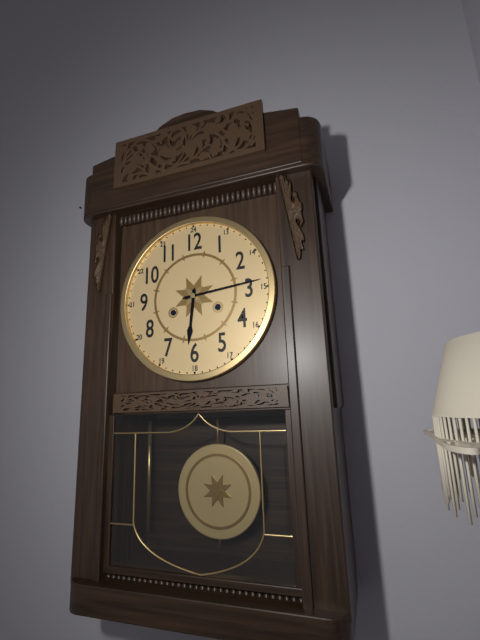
6:14
